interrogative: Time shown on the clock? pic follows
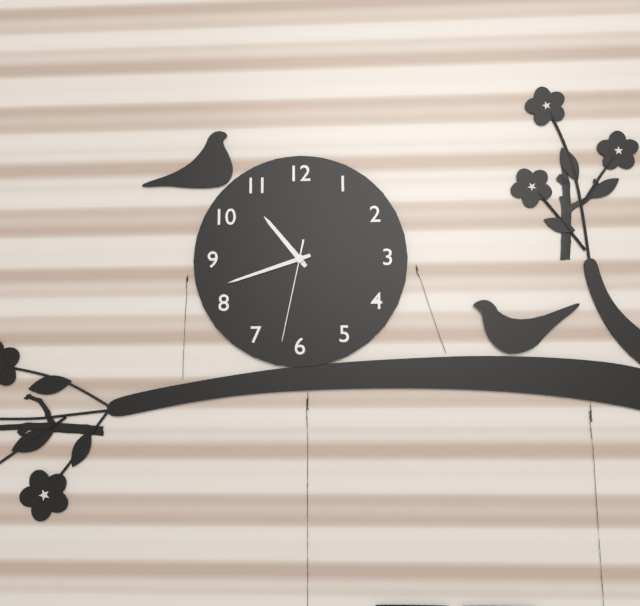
10:42:32
